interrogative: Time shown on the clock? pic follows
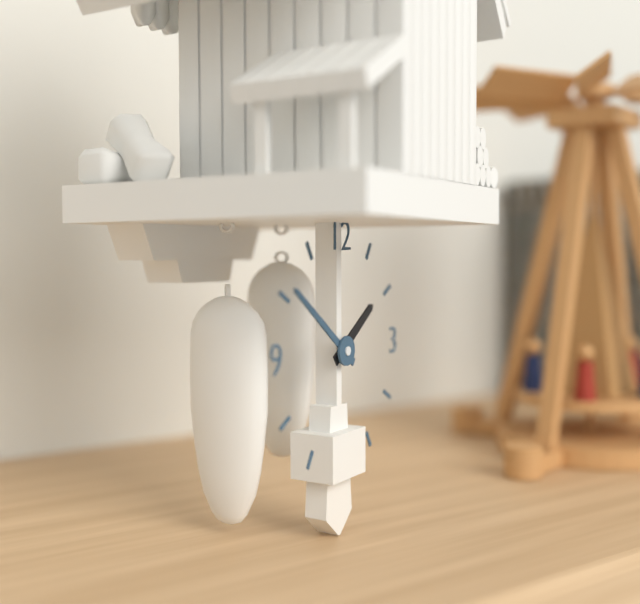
1:51
